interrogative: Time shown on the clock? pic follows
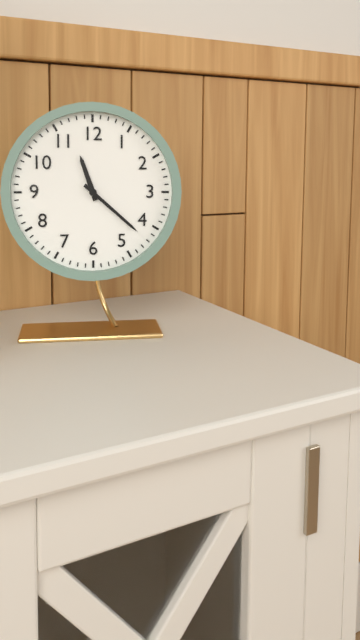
11:22
